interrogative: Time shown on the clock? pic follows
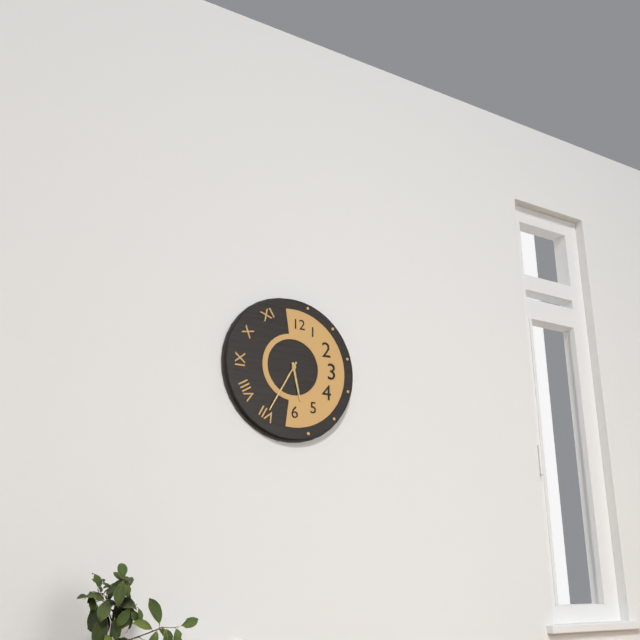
5:35
